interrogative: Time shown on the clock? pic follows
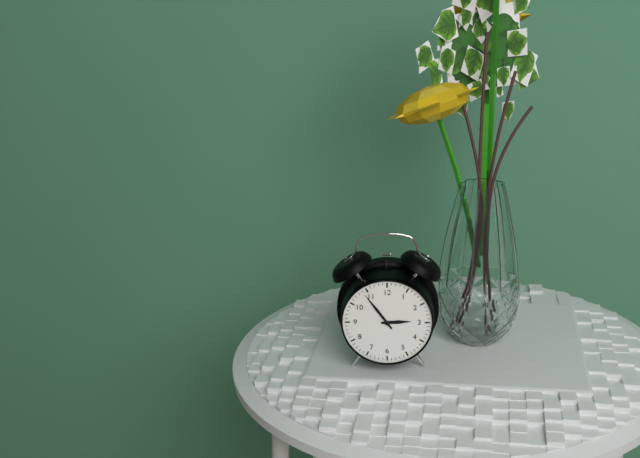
2:54
